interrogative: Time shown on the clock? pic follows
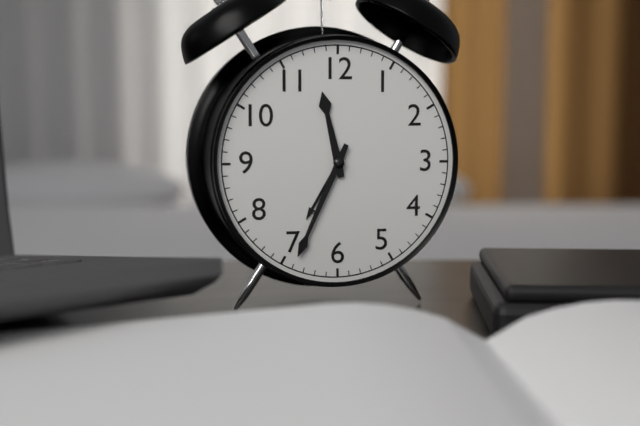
11:34
